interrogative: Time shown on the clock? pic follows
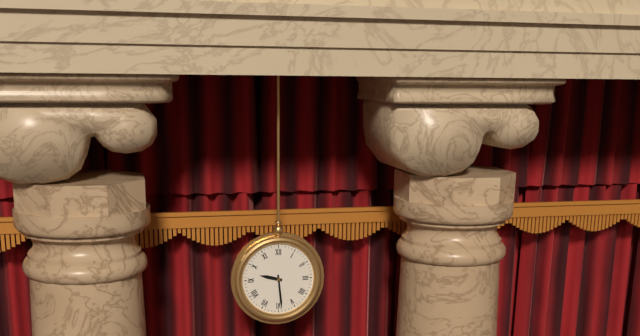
9:29
